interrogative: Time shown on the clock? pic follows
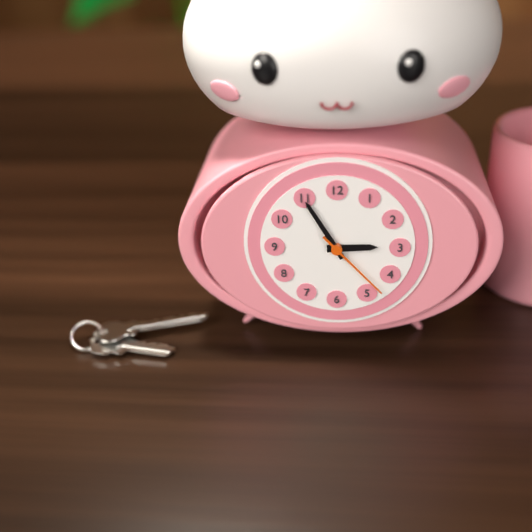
2:55:23
